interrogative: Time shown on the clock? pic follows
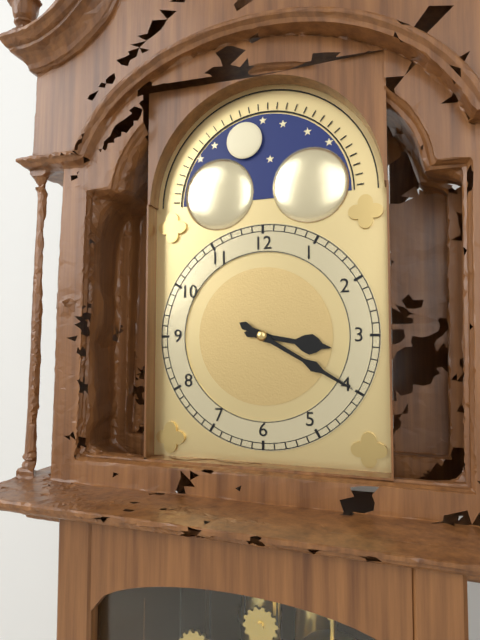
3:20
